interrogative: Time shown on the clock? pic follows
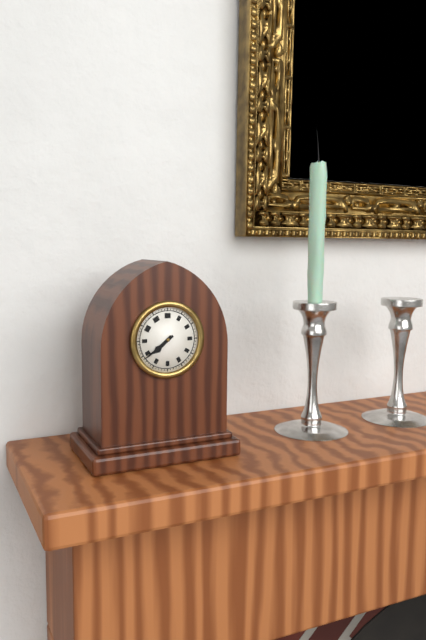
7:39
